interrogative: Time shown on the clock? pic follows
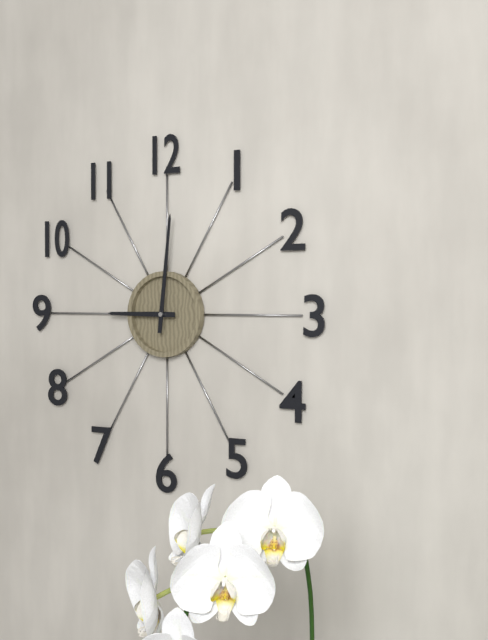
9:01
